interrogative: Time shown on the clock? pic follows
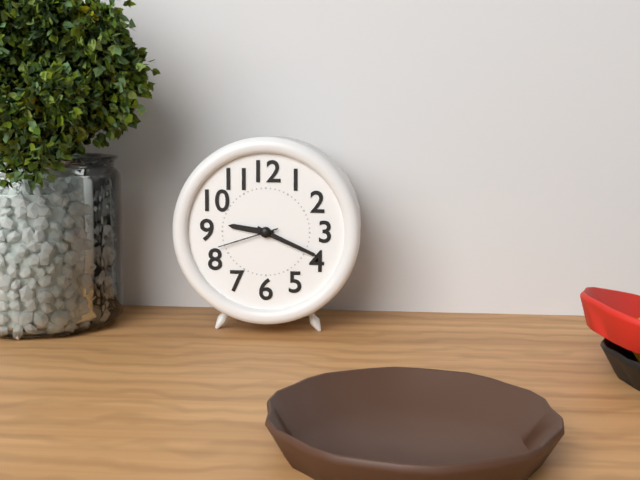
9:19:42
